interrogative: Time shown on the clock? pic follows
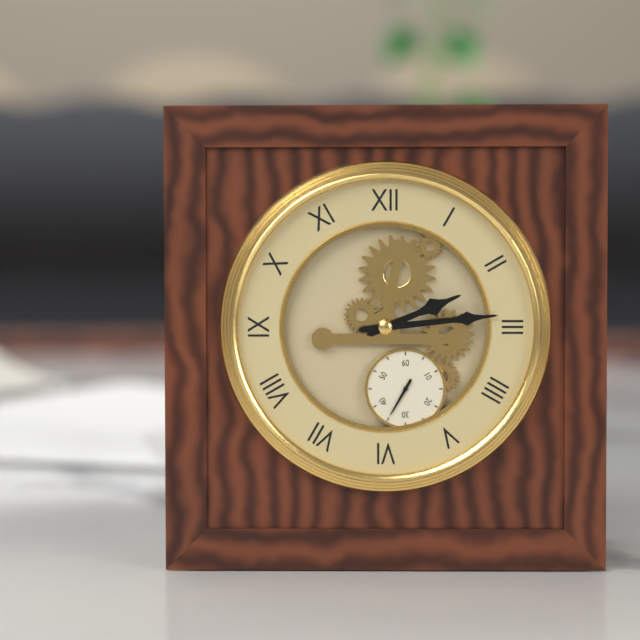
2:14
